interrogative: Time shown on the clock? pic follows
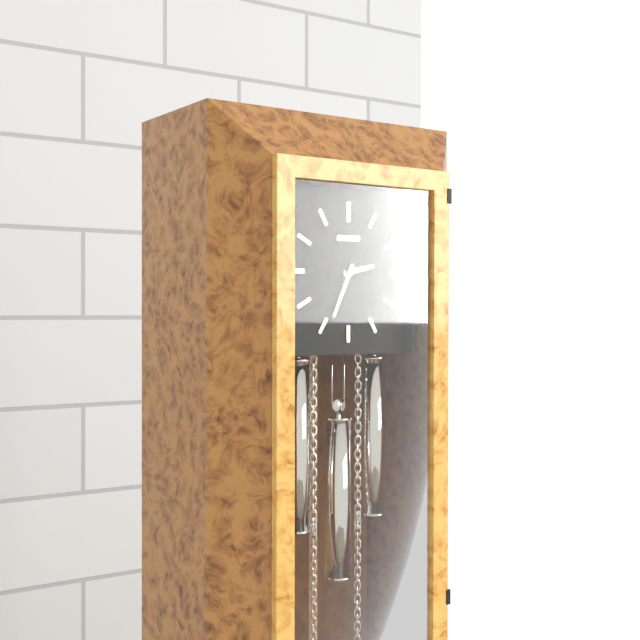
2:34
